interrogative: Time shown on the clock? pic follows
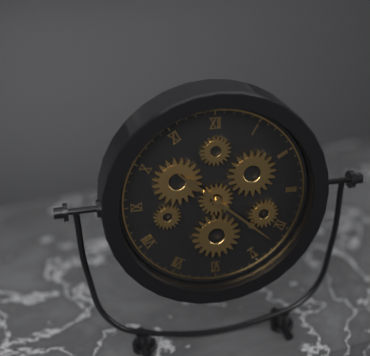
10:22
